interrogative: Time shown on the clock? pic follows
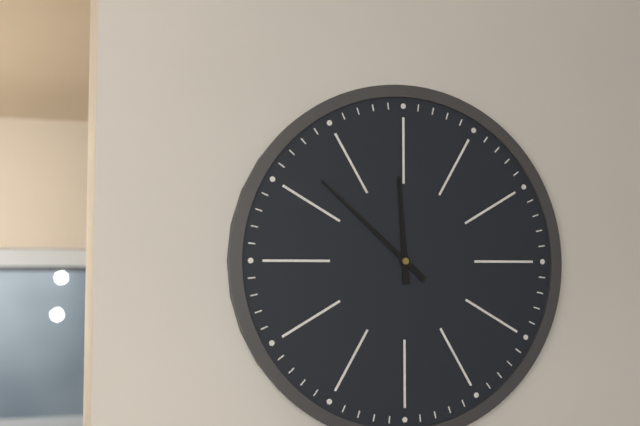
11:52
